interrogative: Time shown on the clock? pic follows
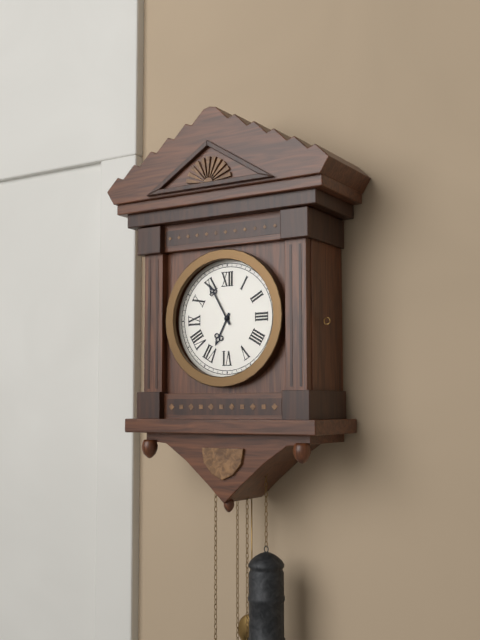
6:55
